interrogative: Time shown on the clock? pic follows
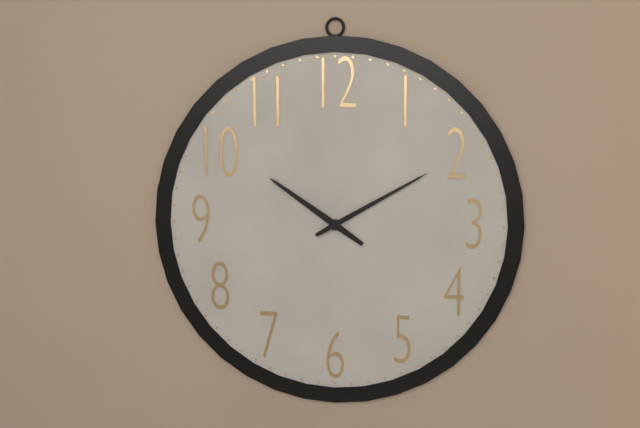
10:10
